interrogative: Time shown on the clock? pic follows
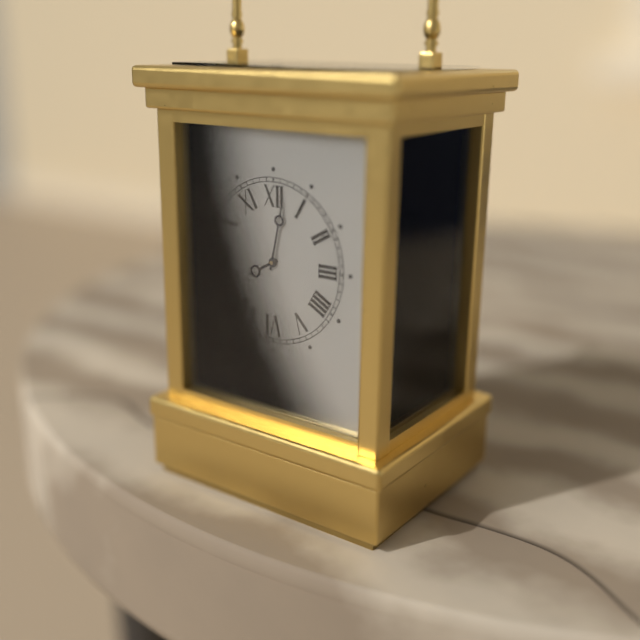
8:02
